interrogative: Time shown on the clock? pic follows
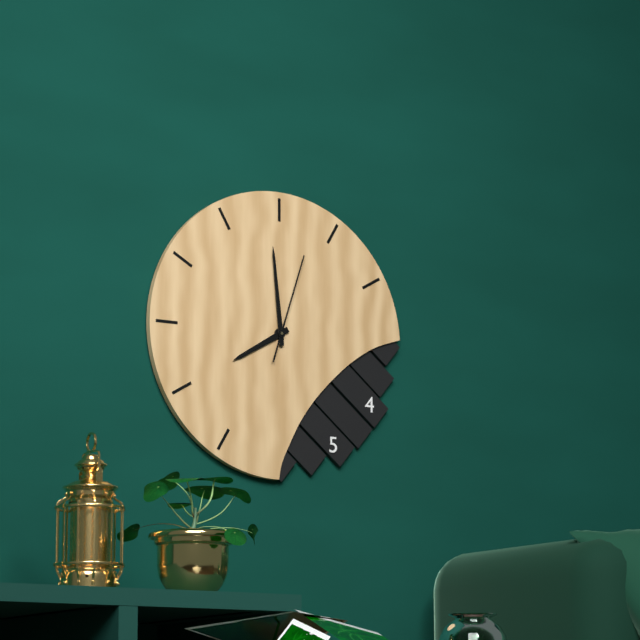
7:59:03
